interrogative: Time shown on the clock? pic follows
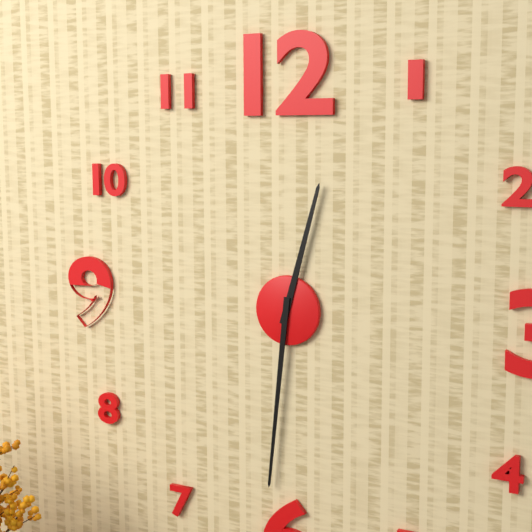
12:31
